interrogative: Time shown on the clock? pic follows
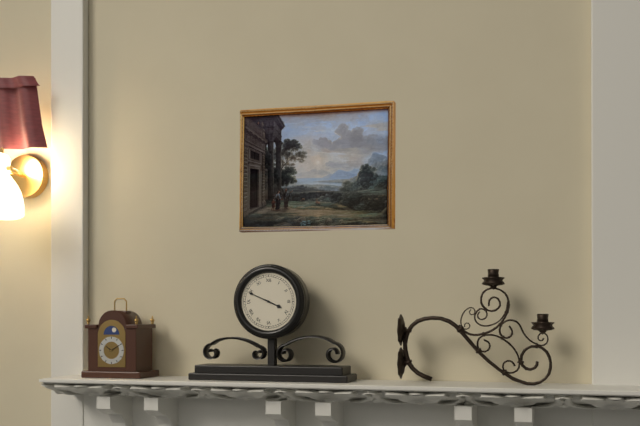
3:49
